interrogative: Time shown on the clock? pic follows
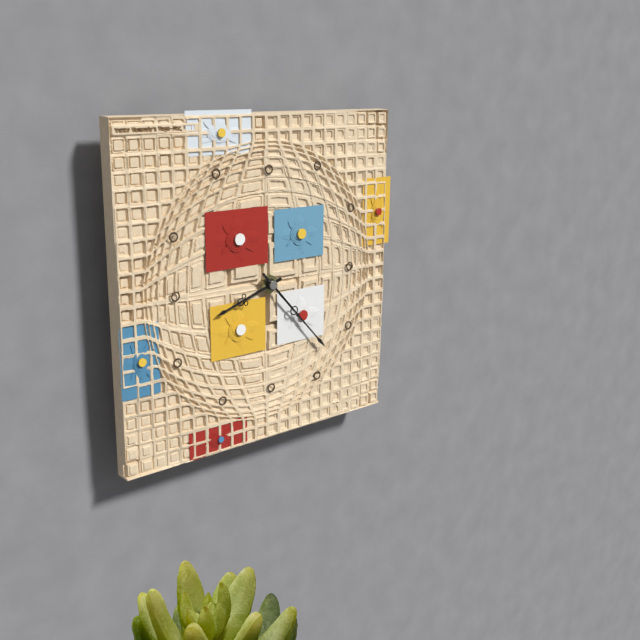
8:23
